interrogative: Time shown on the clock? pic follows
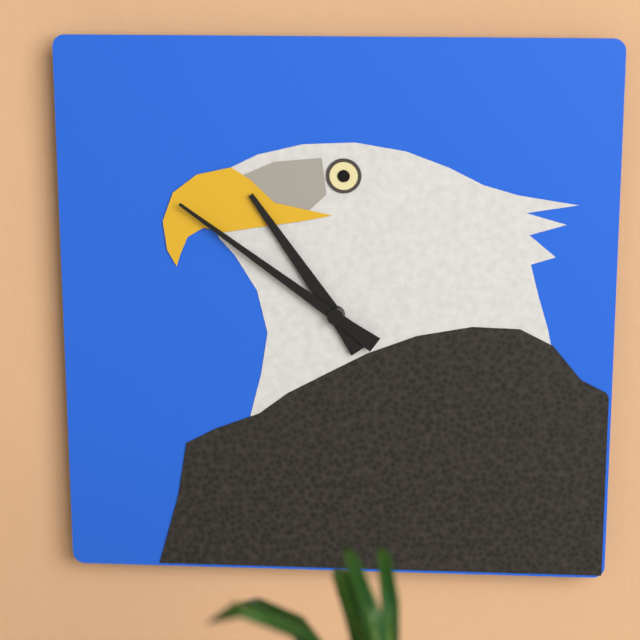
10:51
